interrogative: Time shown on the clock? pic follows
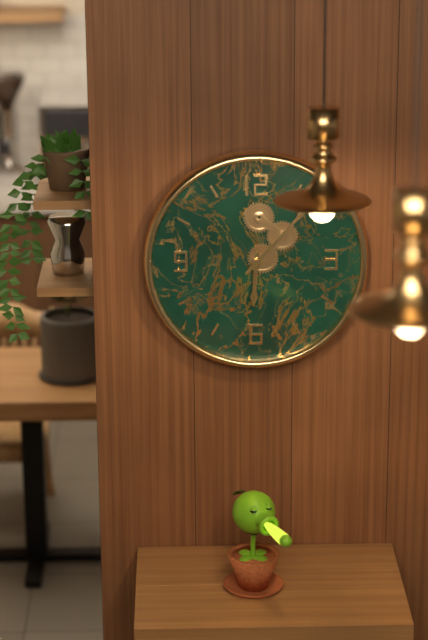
6:07
